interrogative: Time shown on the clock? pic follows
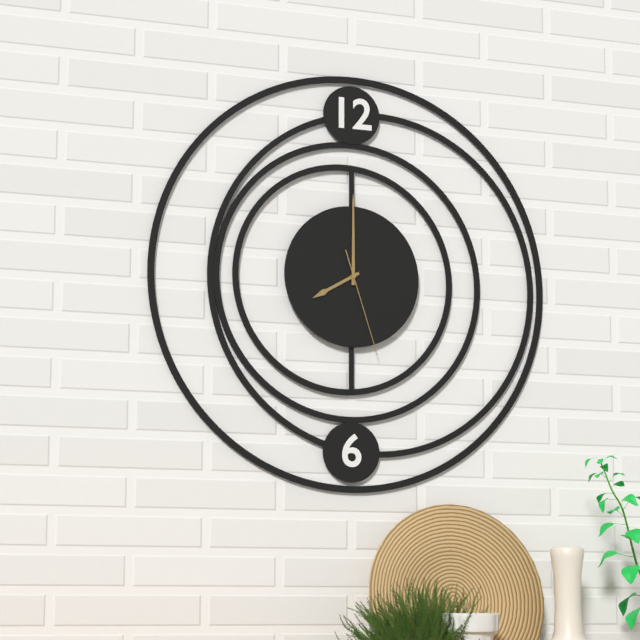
8:00:27
